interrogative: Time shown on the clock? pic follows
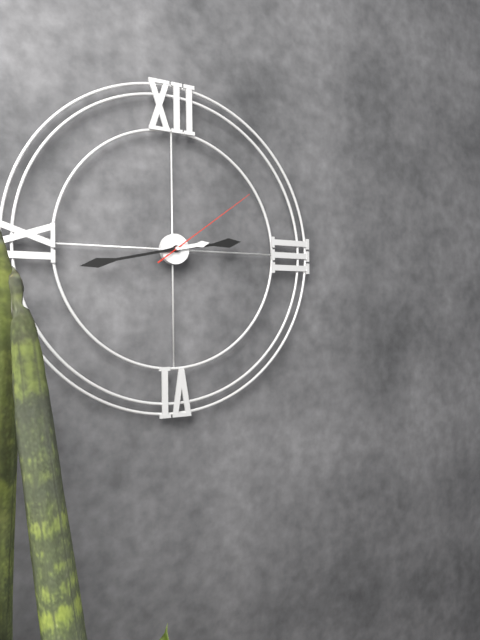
2:43:09
